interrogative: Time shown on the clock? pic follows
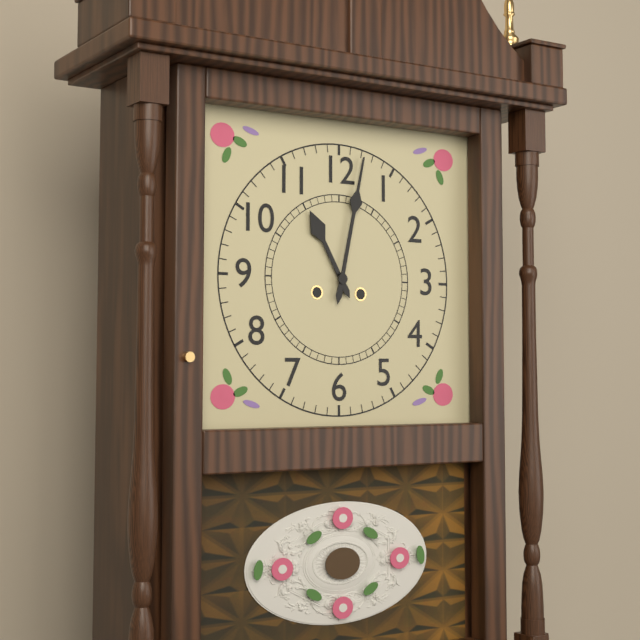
11:02
